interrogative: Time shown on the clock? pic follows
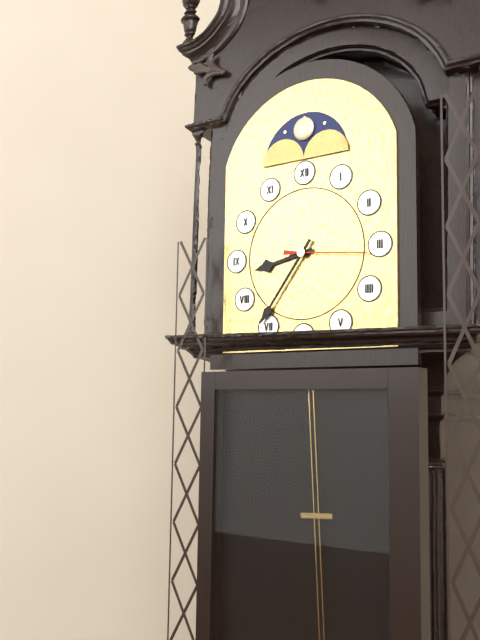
8:36:16
